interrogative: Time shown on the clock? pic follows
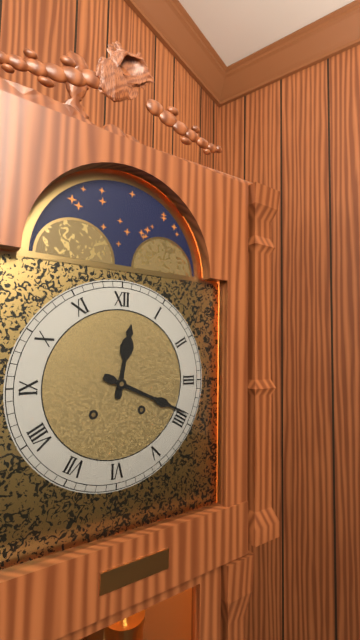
12:19
